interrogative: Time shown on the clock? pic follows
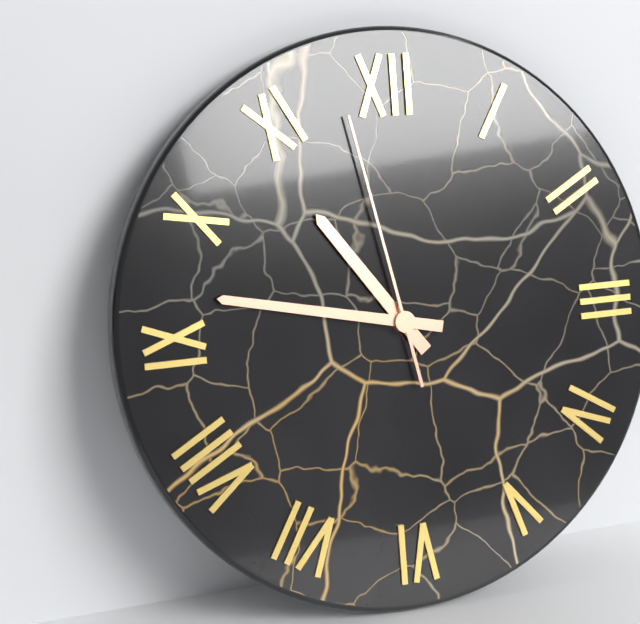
10:47:58
